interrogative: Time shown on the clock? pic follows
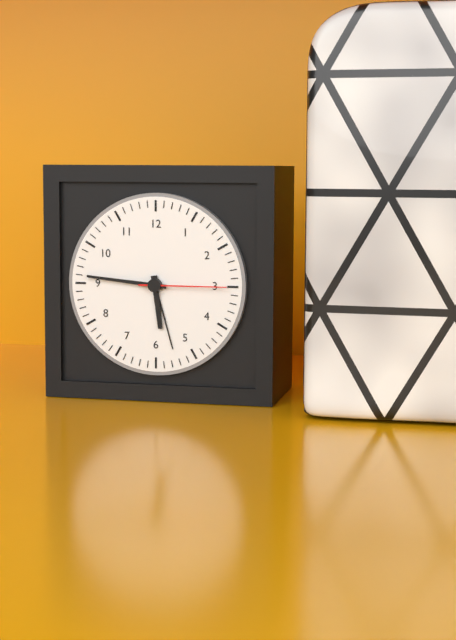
5:46:15
